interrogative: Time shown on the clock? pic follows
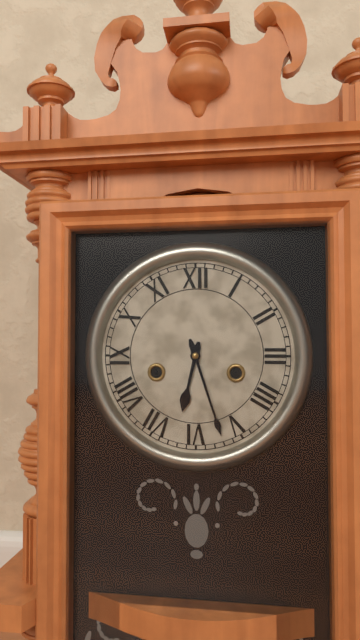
6:27
